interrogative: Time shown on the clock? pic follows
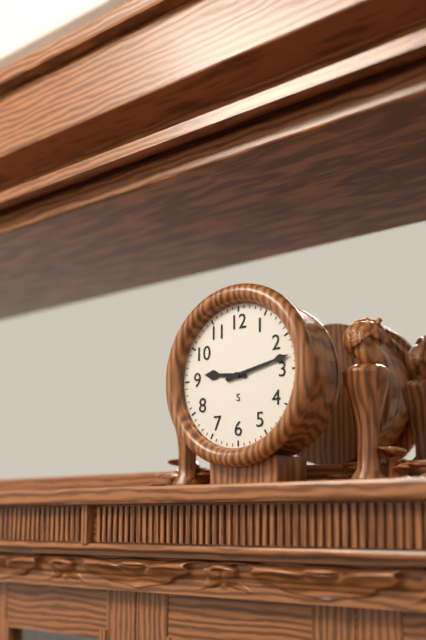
9:13
